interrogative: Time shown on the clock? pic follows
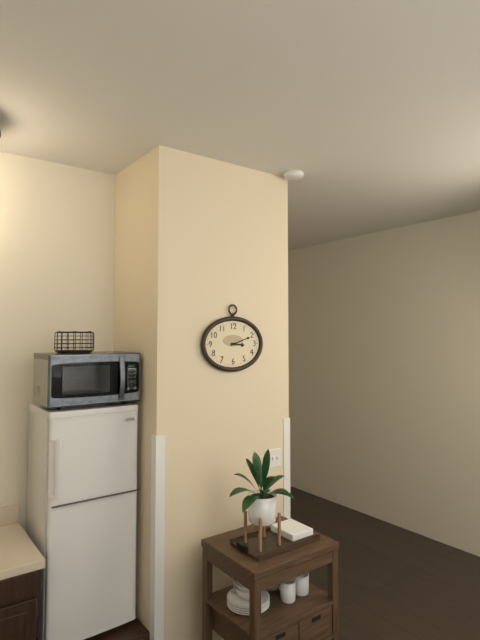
3:12
